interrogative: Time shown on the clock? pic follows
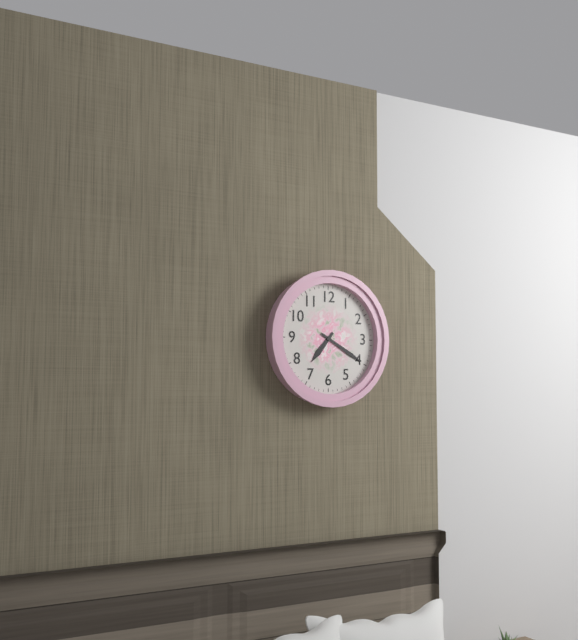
7:20
